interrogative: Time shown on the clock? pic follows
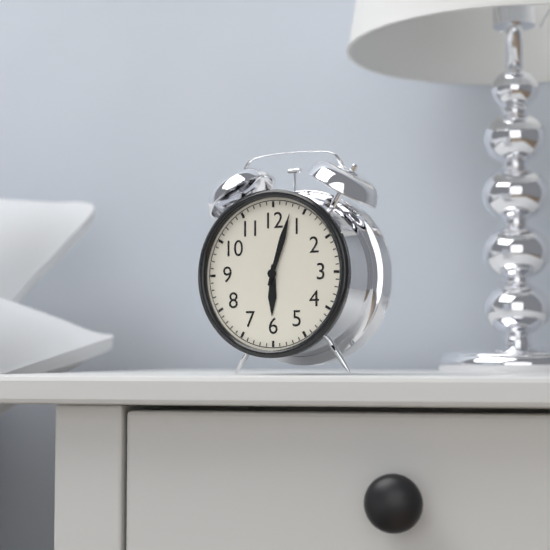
6:03
